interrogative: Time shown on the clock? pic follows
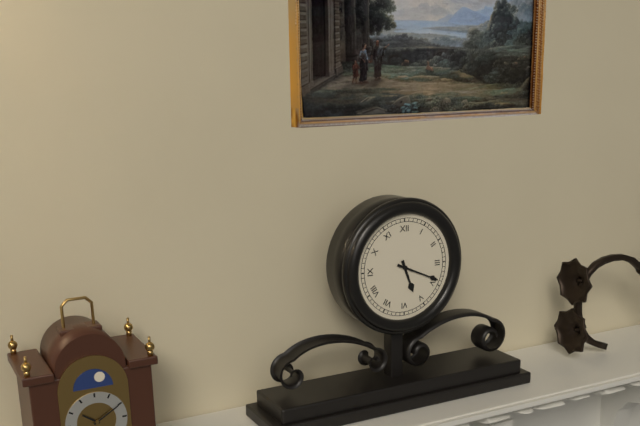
5:19
